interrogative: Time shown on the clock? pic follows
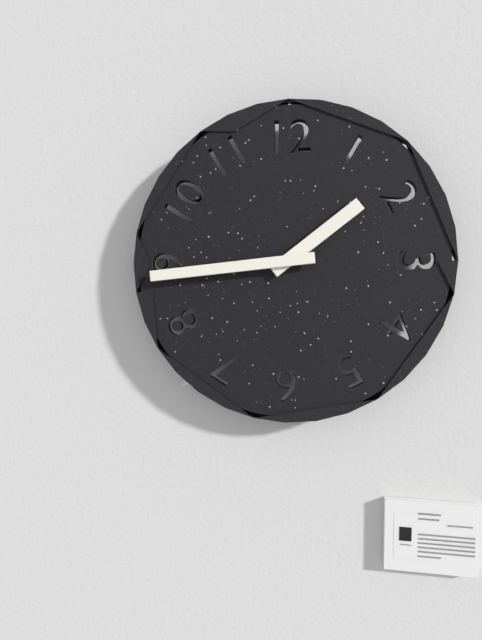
1:44
